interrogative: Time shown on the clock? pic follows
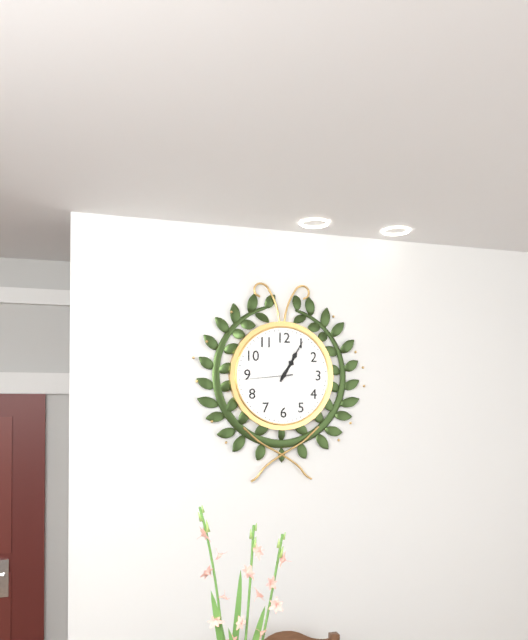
1:05:44
